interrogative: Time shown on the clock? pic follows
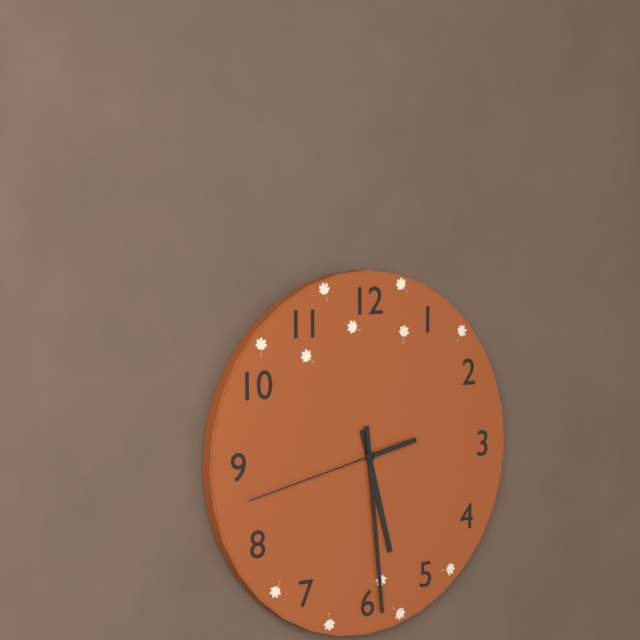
5:29:43
